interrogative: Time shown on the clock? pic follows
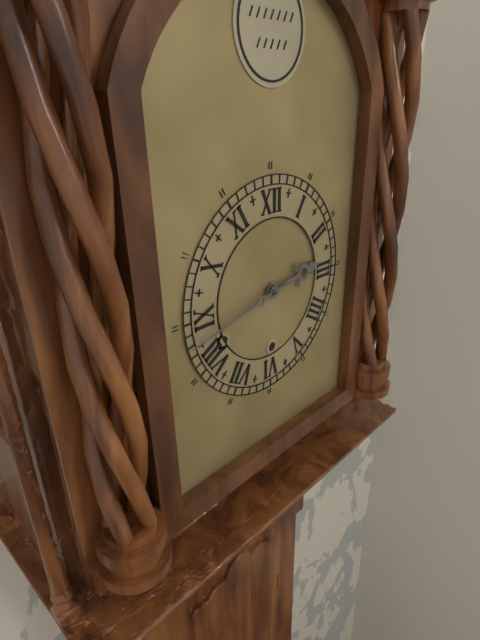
2:43
